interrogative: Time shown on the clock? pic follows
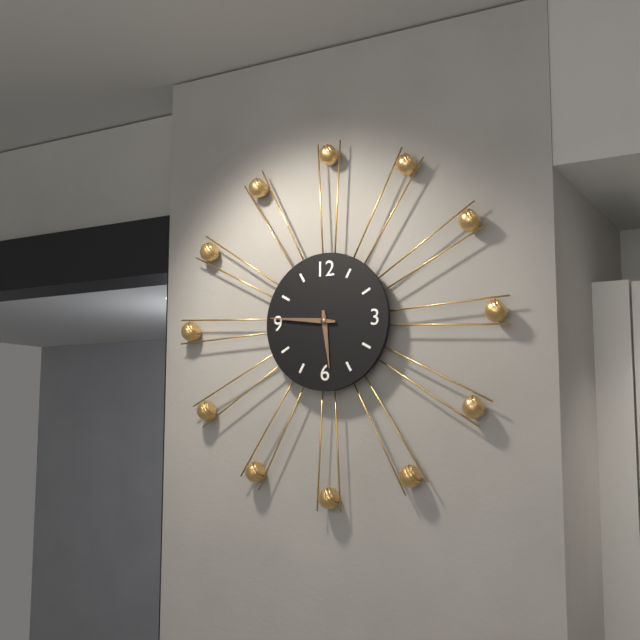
5:46
